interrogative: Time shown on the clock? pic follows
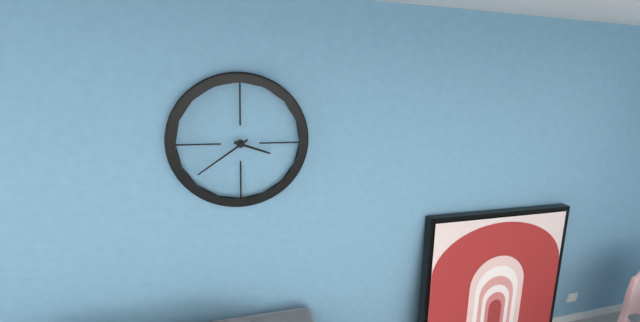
3:39
